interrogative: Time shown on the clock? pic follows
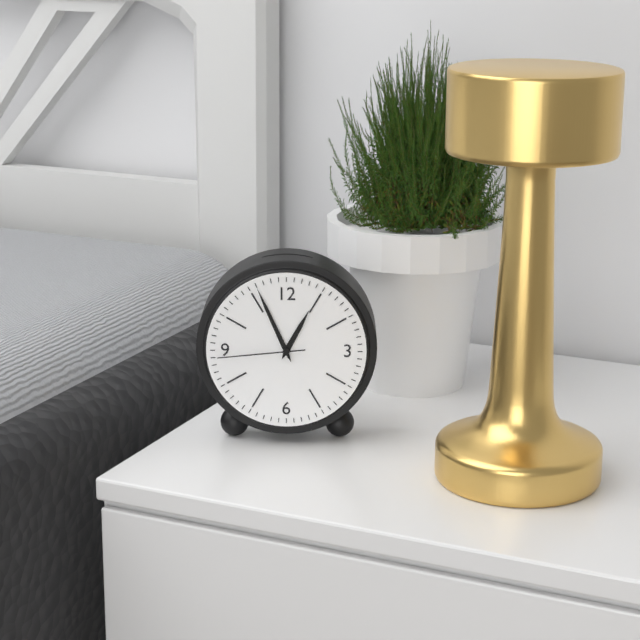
12:56:44
